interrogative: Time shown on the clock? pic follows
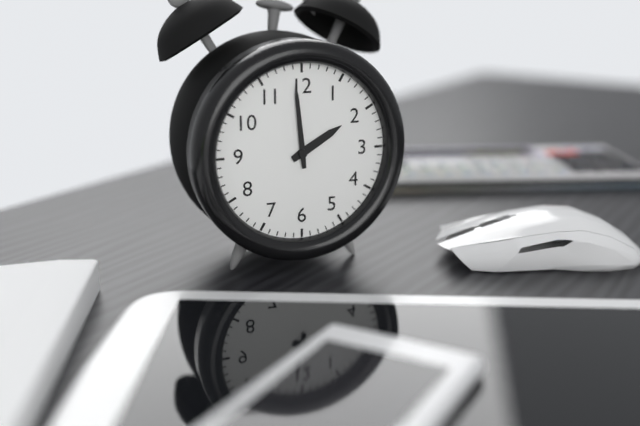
1:59
